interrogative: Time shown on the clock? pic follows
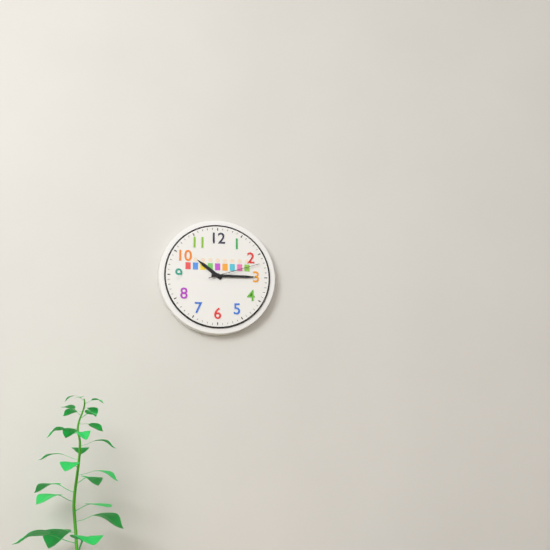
10:15:12
